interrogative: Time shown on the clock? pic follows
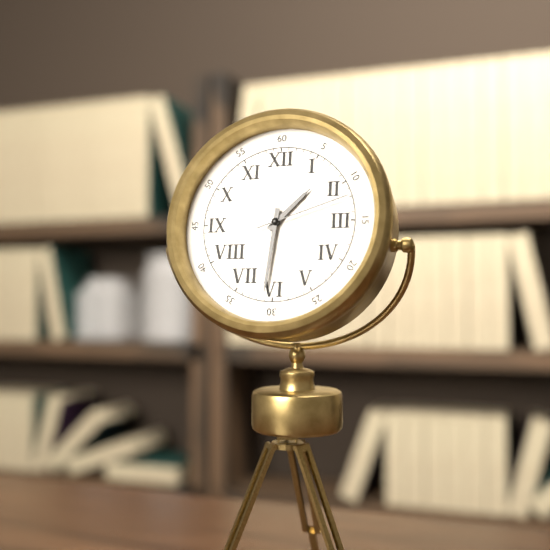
1:31:12
